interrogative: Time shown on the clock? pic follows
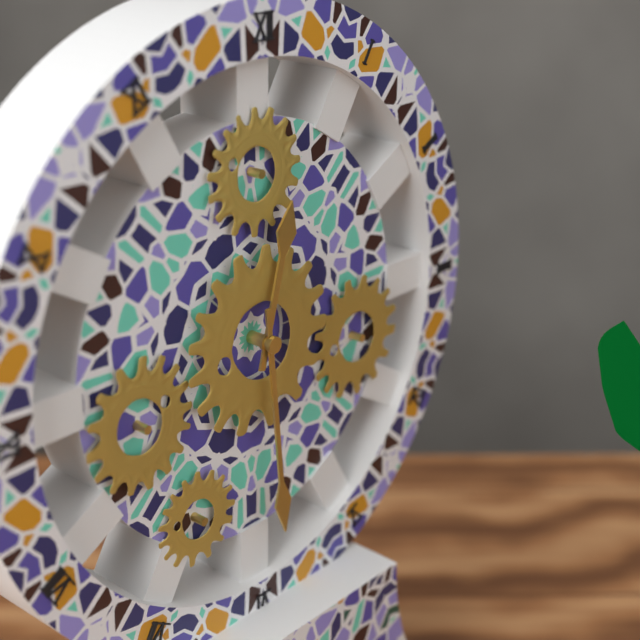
12:29
